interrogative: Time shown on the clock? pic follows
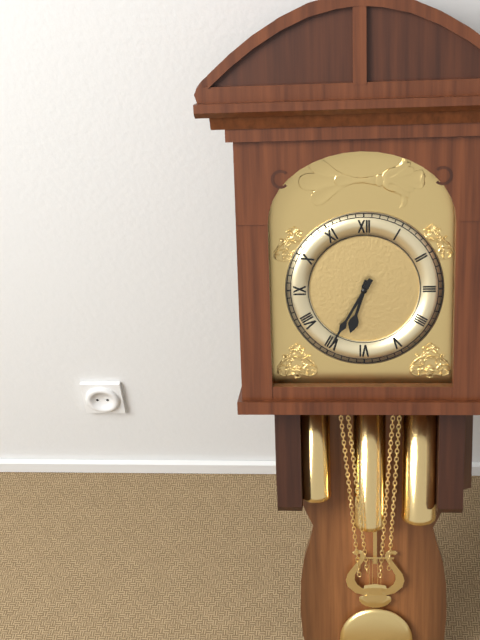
6:35
